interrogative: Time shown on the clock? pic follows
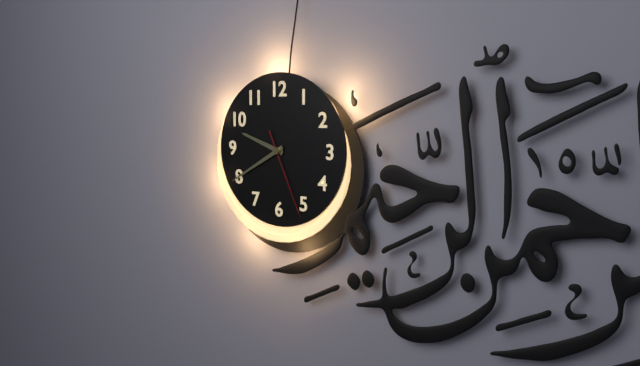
9:40:26
